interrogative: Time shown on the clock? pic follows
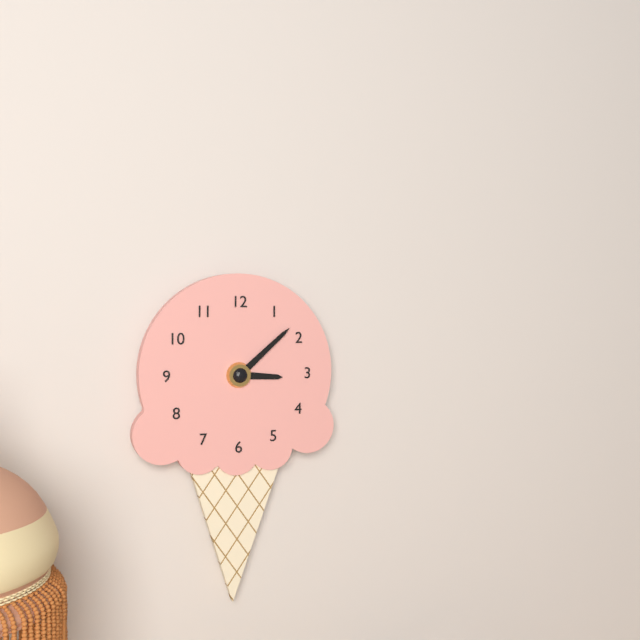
3:08
